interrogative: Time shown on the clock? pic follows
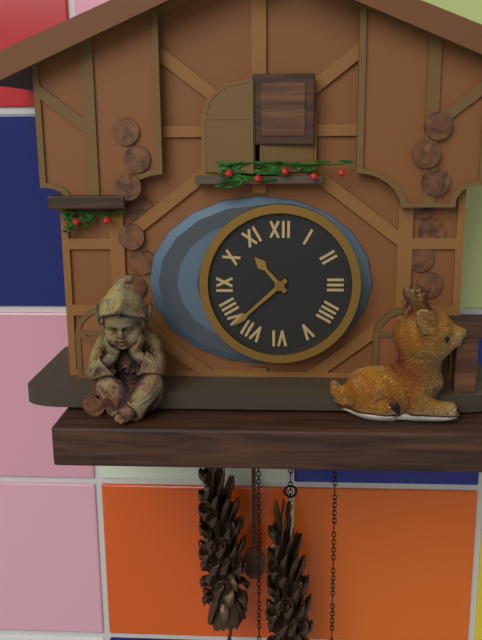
10:38
